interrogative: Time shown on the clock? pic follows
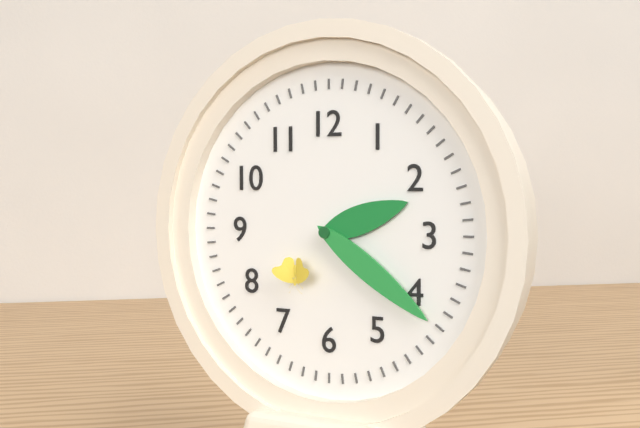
2:21
